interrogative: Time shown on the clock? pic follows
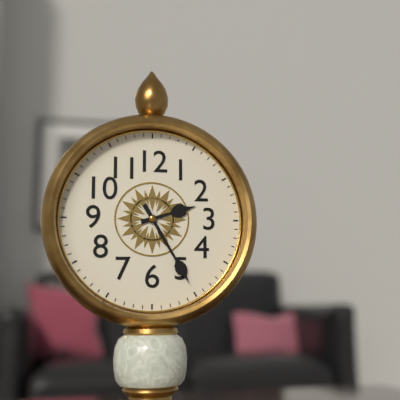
2:25
